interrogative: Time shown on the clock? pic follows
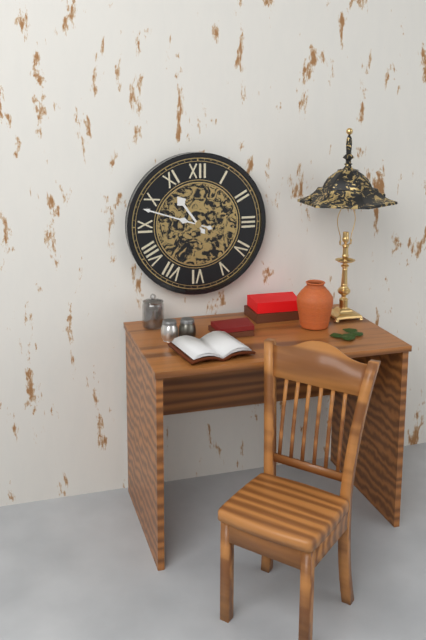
10:48
